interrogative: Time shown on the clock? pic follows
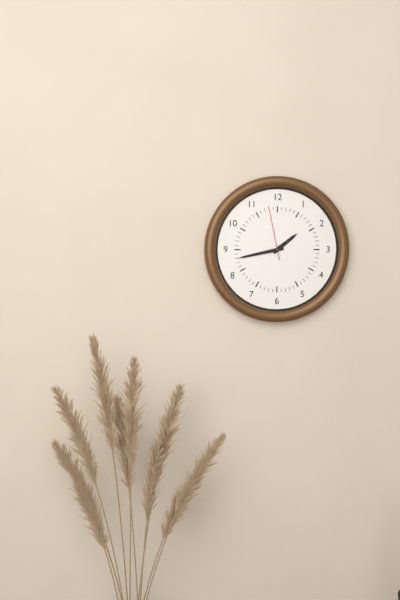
1:43:58
